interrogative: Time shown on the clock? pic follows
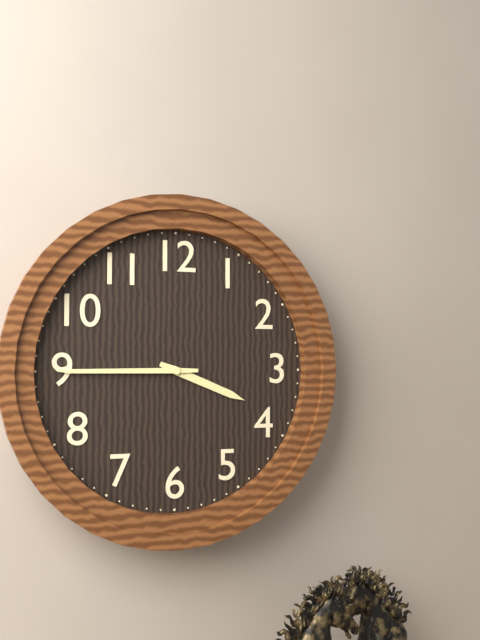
3:45
